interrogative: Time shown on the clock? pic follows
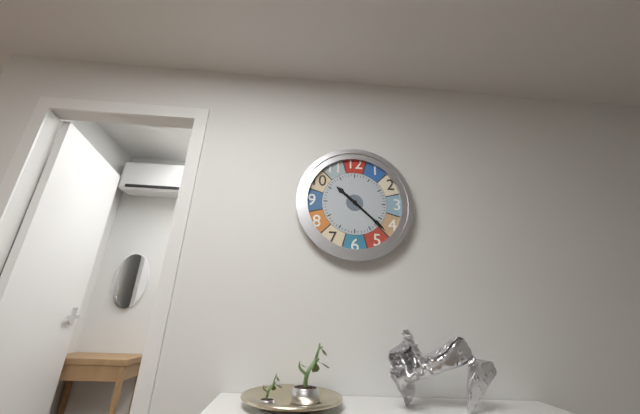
10:22
